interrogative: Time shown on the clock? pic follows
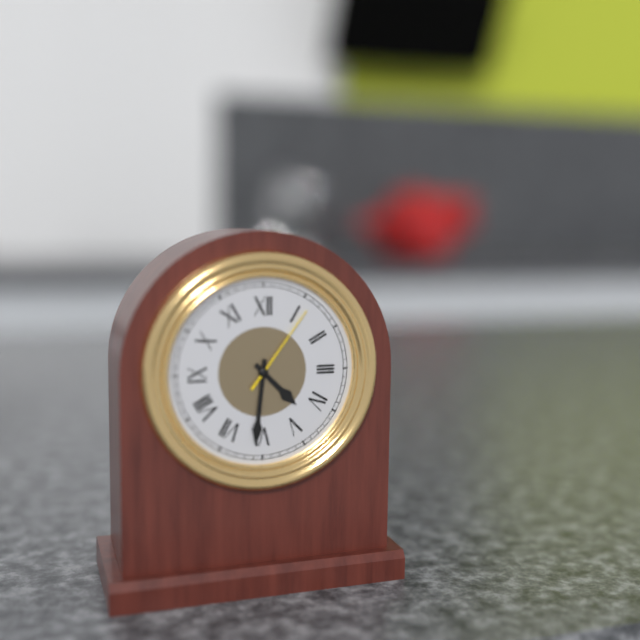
4:31:06
